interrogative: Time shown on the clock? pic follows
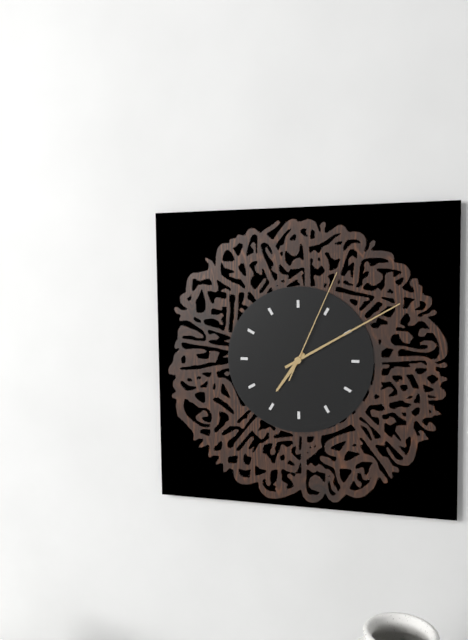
7:10:04
